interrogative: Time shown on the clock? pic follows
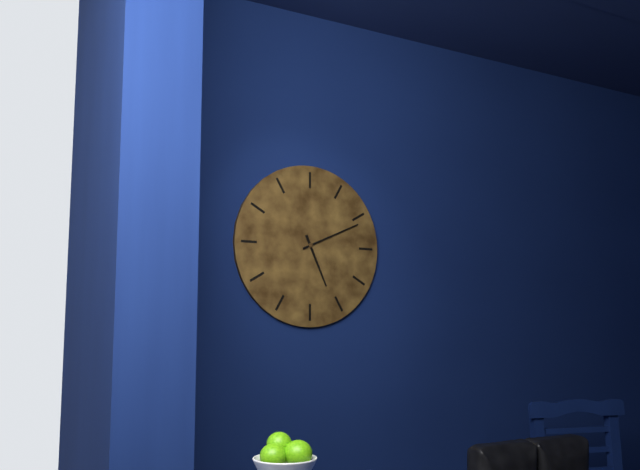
5:11
